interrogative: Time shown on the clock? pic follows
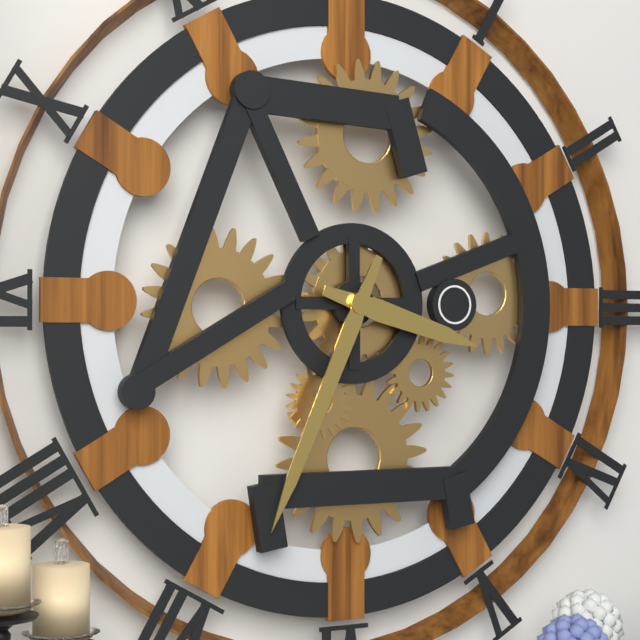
3:34
